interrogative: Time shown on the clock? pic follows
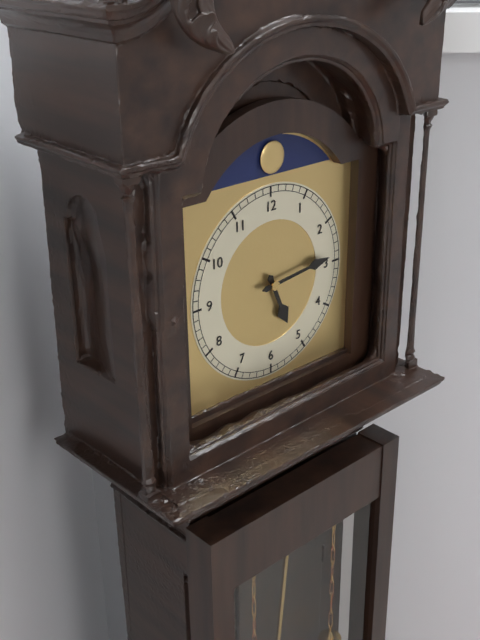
5:14
